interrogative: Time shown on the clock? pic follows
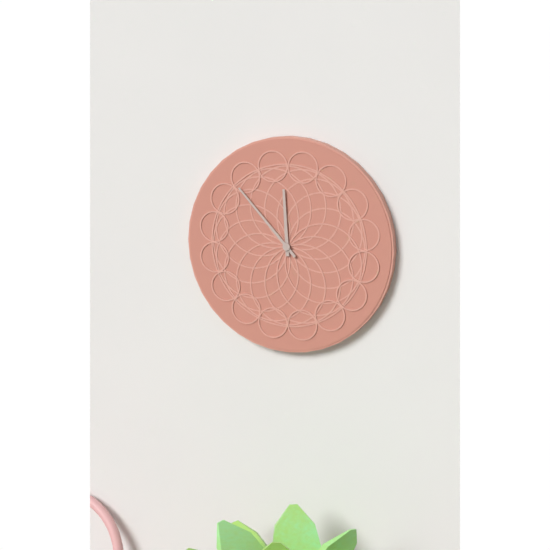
11:53
